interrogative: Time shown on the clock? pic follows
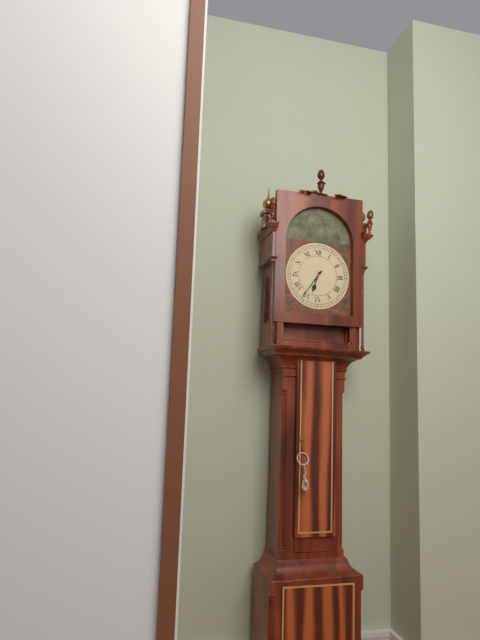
6:36
